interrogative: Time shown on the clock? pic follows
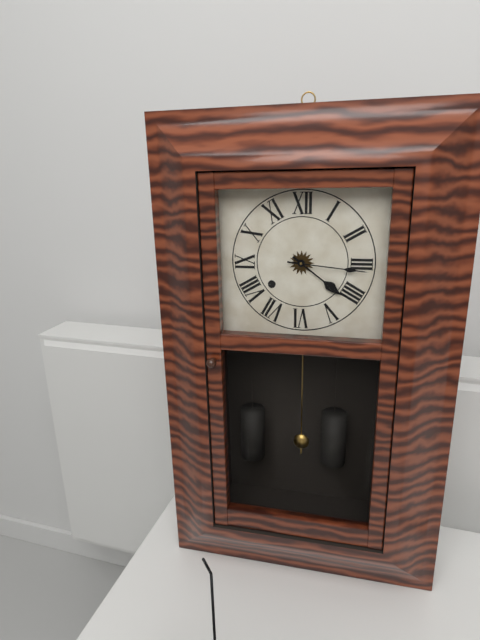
4:16
